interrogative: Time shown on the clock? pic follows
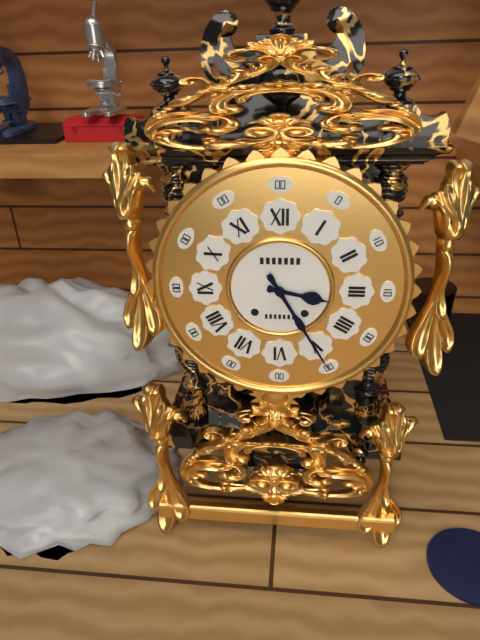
3:25
